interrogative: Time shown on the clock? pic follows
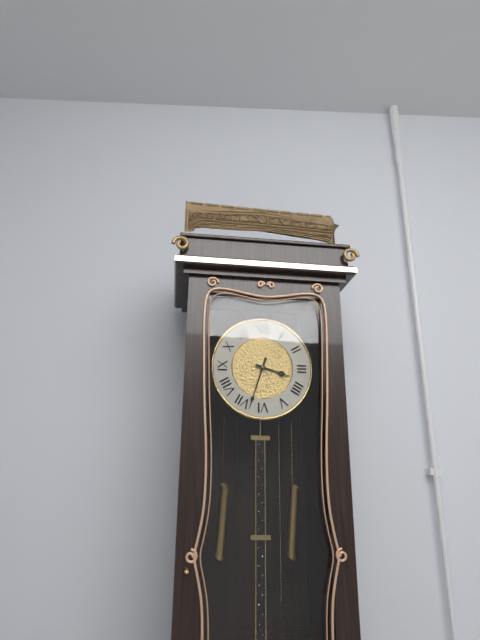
3:33
